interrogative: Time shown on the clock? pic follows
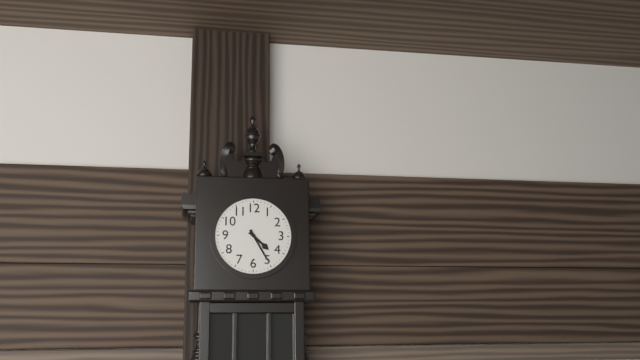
4:25
